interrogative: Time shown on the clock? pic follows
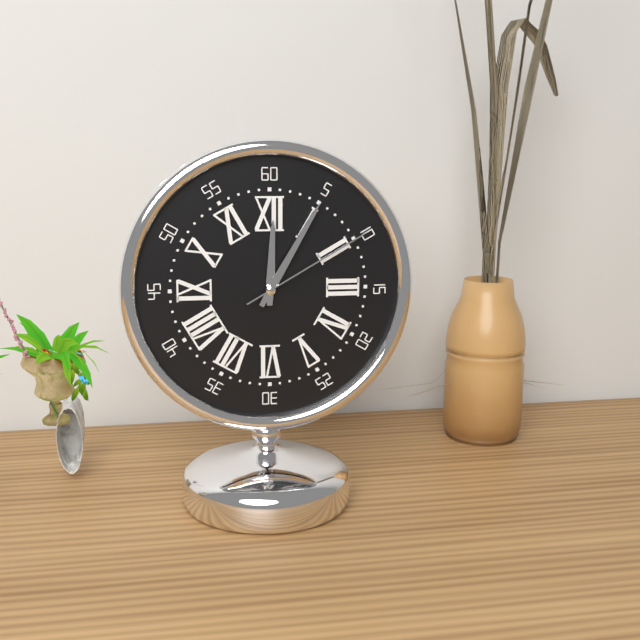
12:05:10
